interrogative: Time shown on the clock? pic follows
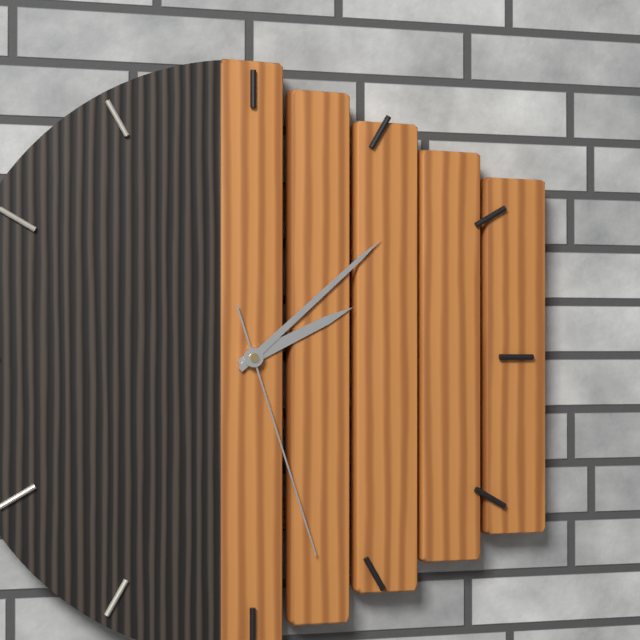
2:08:27
